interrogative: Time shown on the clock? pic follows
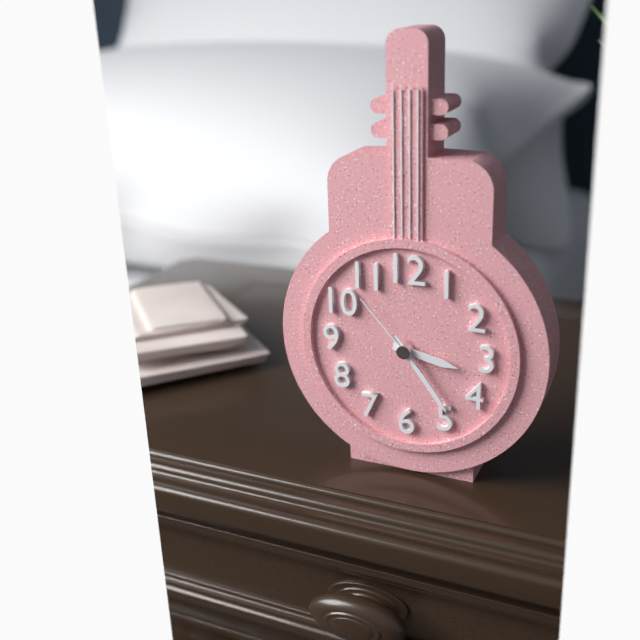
3:24:53
